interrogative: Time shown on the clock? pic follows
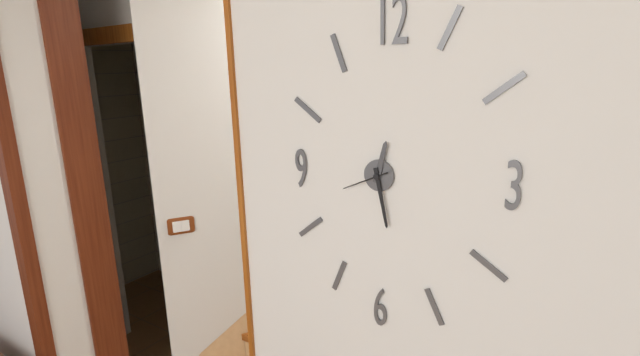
12:28
